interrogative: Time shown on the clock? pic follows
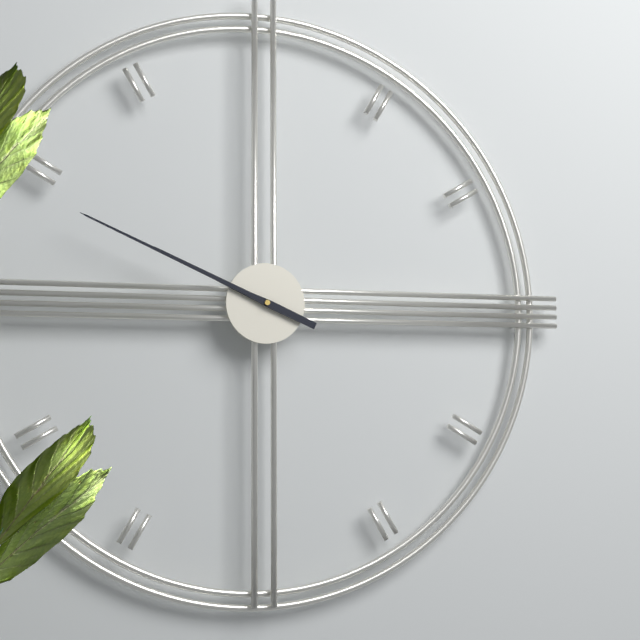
9:49
